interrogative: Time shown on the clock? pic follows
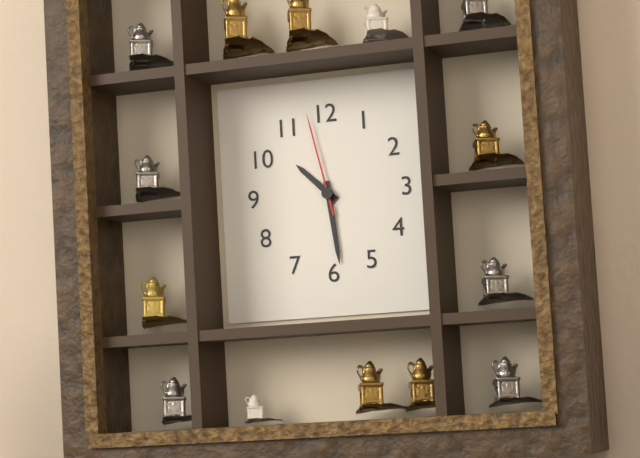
10:29:58
